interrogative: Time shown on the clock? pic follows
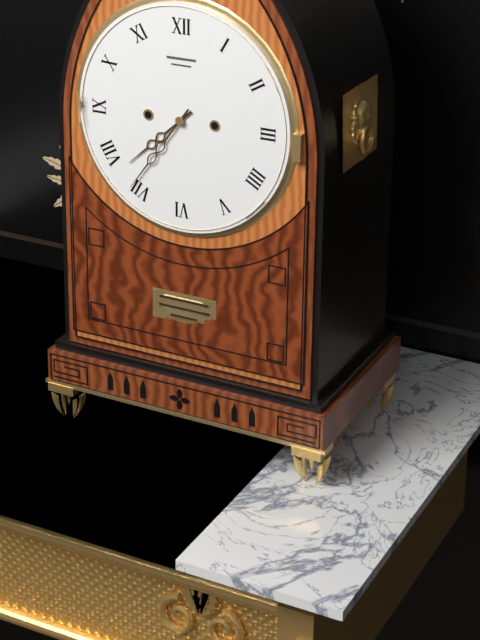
7:36
